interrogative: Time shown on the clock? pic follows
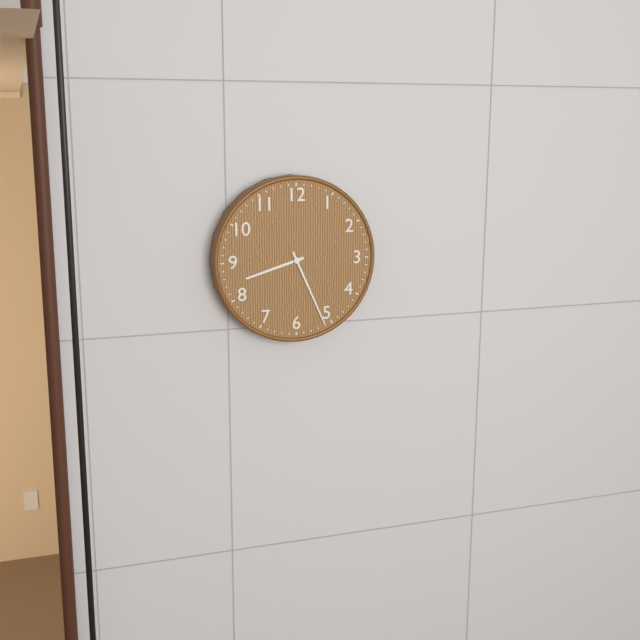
8:26
